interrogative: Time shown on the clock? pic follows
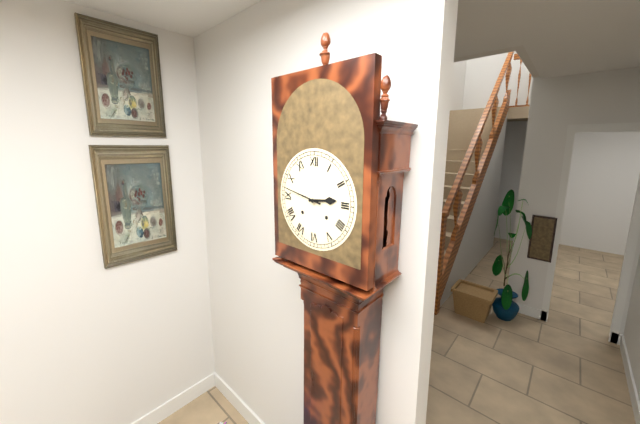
2:47
